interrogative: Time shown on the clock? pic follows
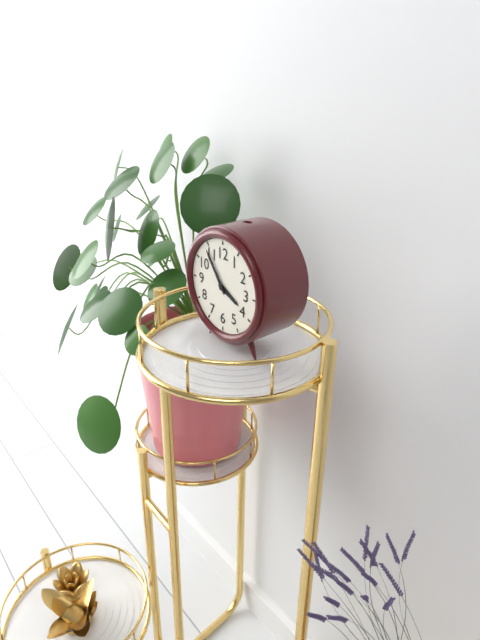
3:54
